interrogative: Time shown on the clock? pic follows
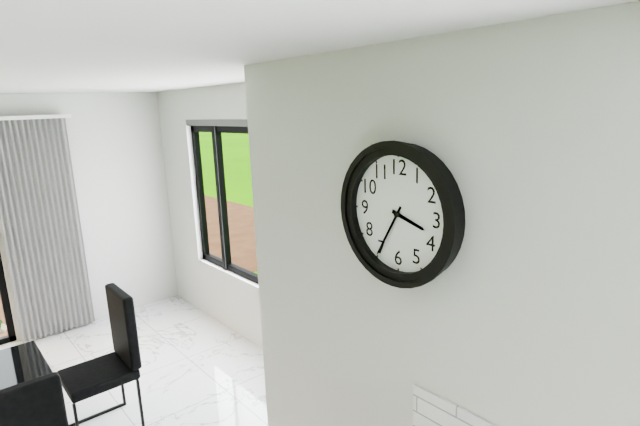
3:35
